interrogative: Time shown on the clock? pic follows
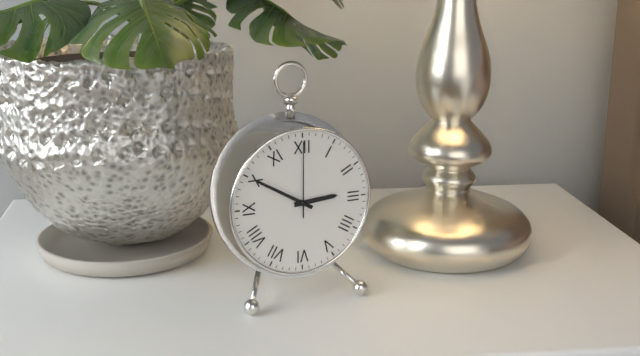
2:50:00
